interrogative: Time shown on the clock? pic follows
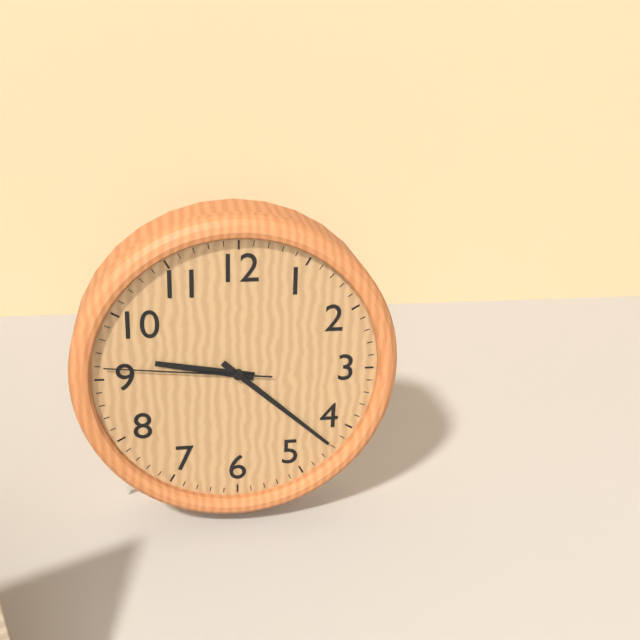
9:22:46
